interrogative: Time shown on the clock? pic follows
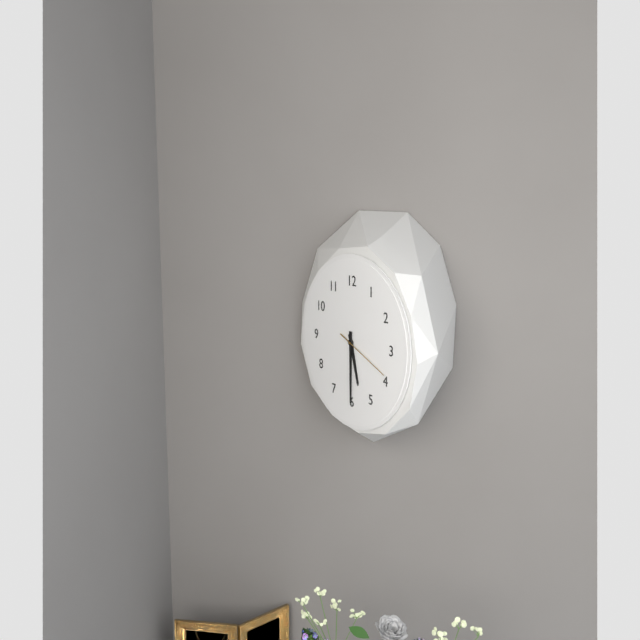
5:30:19
